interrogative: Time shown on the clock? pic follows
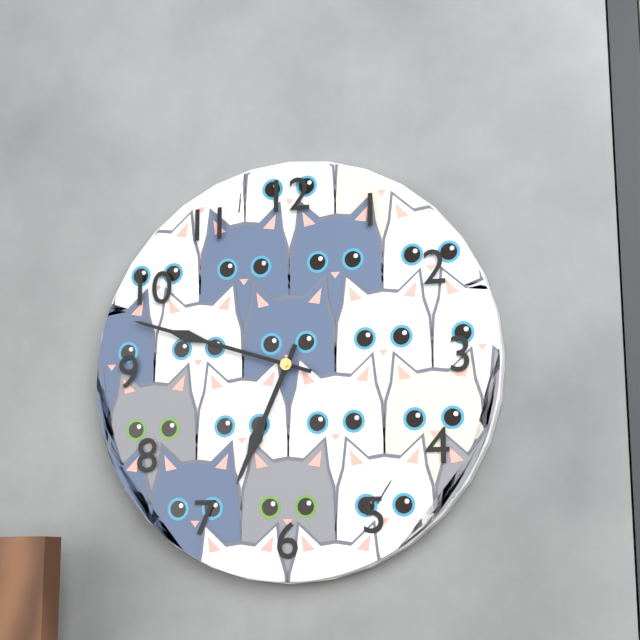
6:48
